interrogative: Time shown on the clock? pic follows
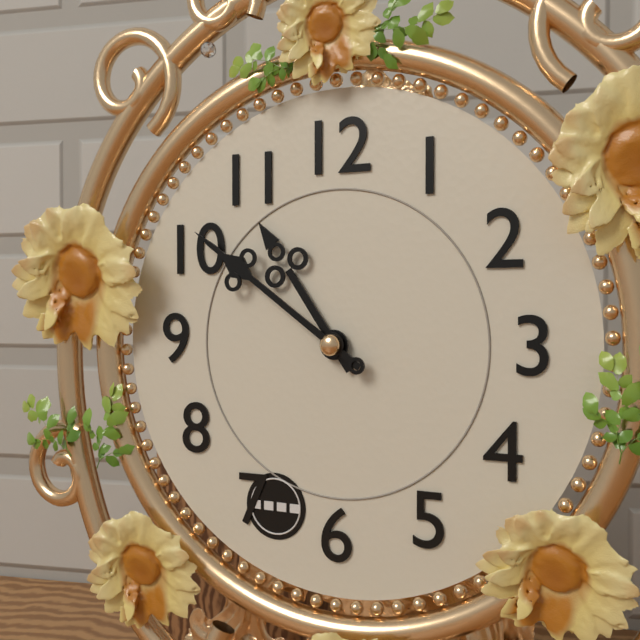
10:51
